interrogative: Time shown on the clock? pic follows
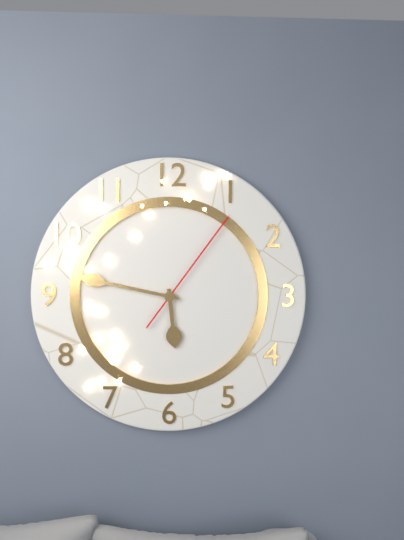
5:47:06
